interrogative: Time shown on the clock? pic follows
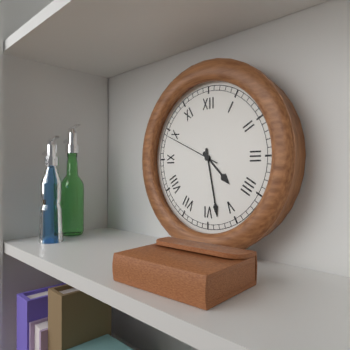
4:28:49
